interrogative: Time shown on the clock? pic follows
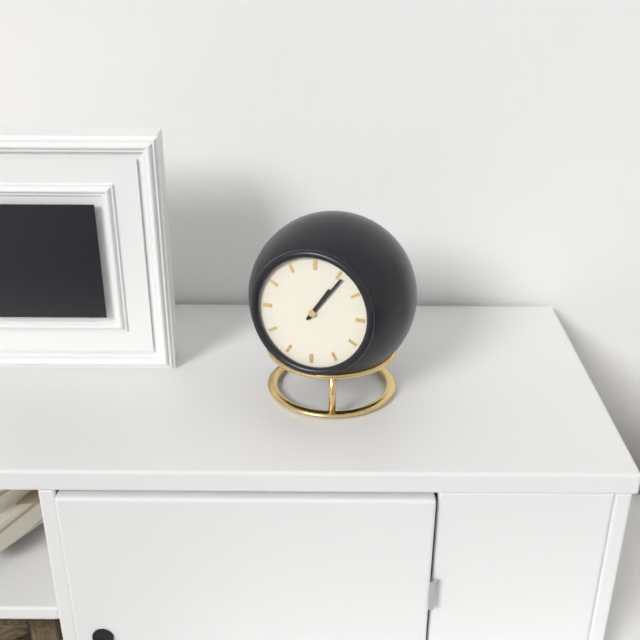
1:06
